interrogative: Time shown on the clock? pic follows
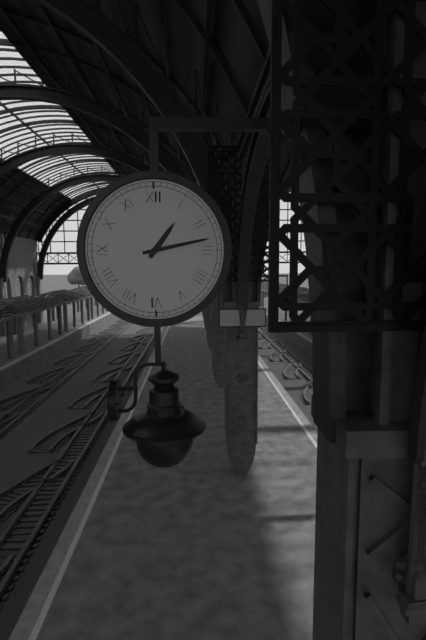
1:13
